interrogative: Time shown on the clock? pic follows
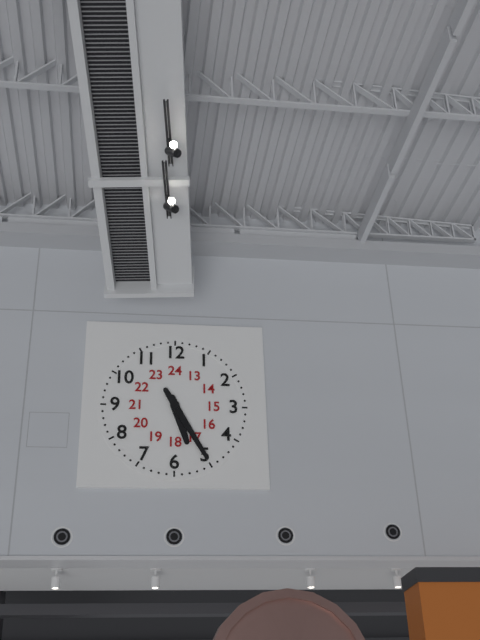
5:25
